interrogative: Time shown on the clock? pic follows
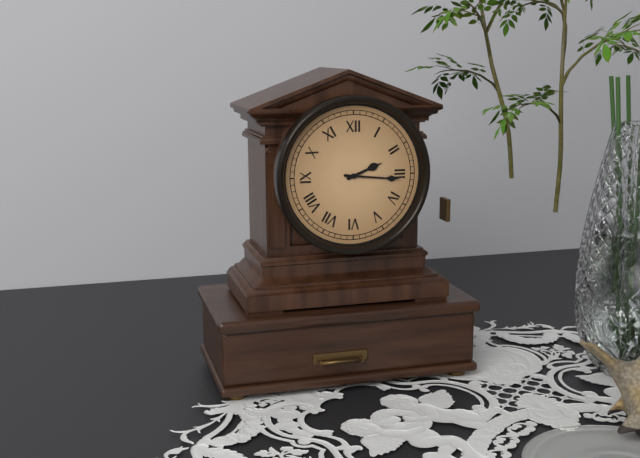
2:16
